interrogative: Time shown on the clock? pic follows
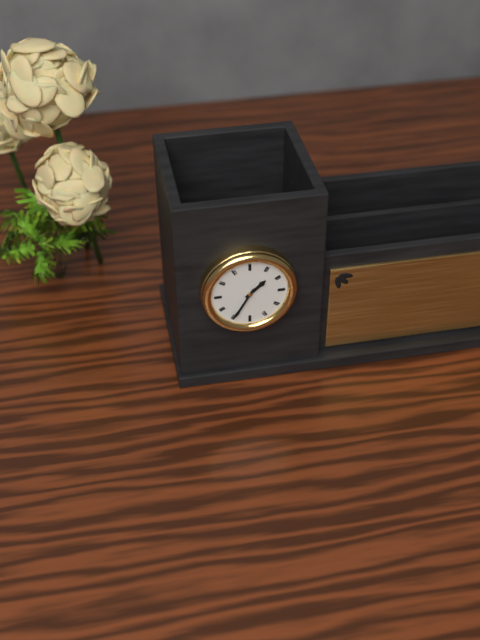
1:35
